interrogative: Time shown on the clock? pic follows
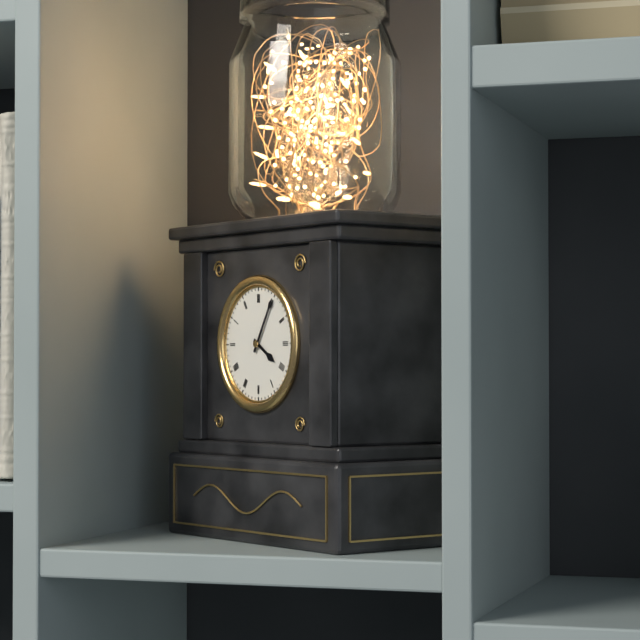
4:05
